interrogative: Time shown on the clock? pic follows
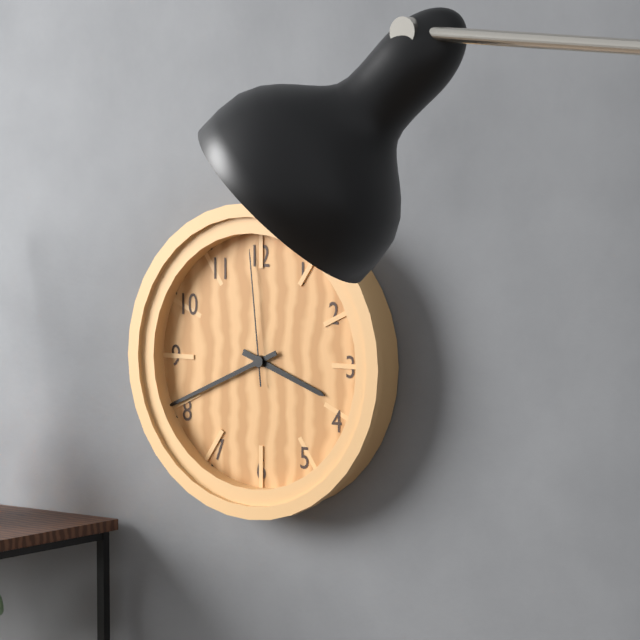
3:41:59
